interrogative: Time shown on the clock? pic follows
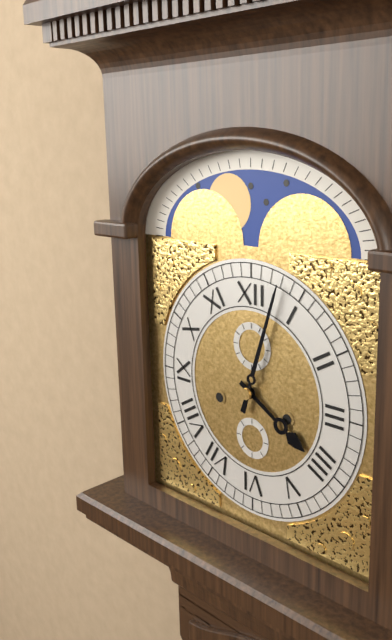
4:03
